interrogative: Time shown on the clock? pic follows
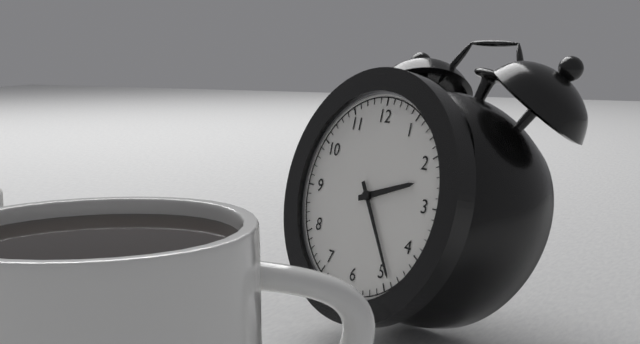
2:24
